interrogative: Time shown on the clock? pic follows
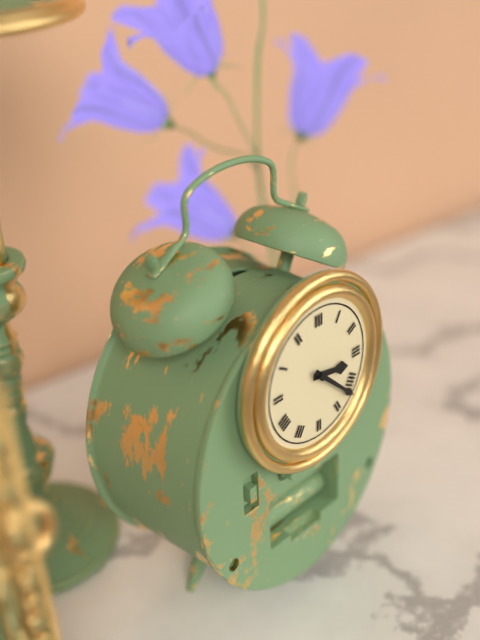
3:22
